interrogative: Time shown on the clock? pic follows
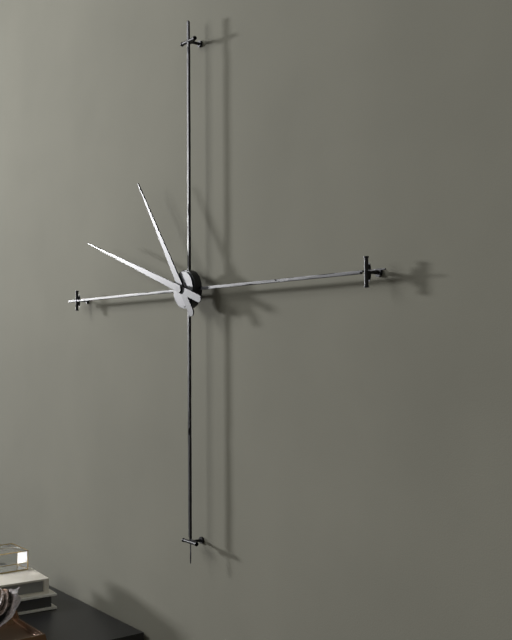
10:48
